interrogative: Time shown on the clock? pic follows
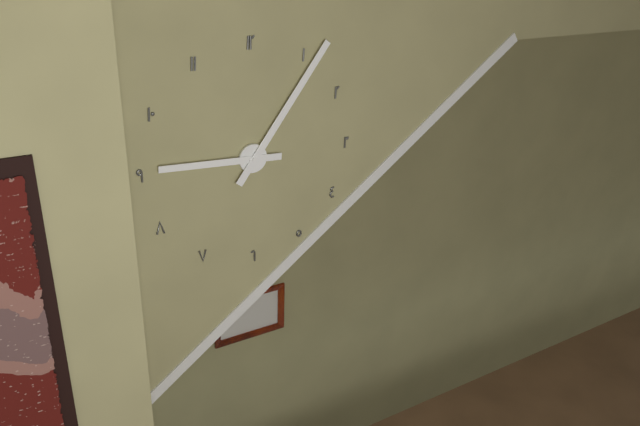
9:06
